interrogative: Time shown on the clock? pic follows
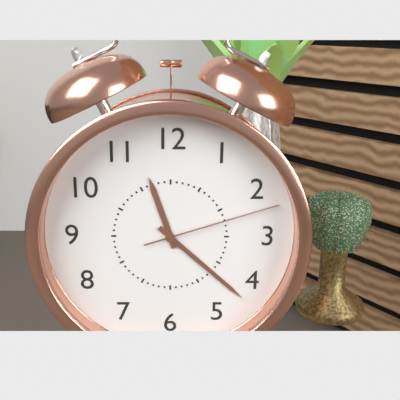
11:22:12
